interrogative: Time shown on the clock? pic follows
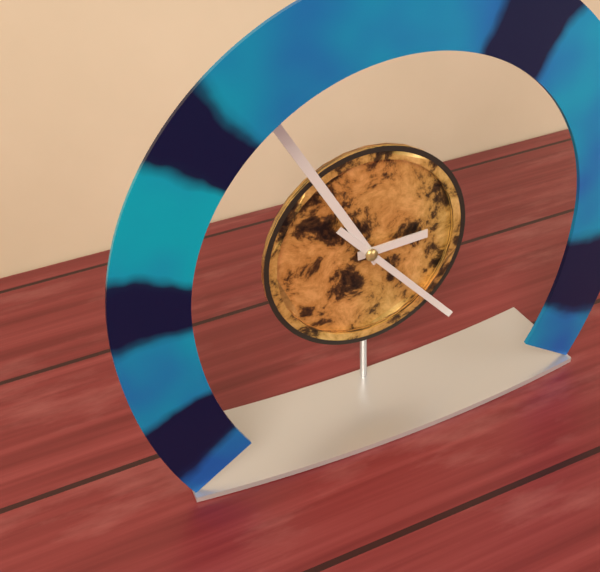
2:55:23
